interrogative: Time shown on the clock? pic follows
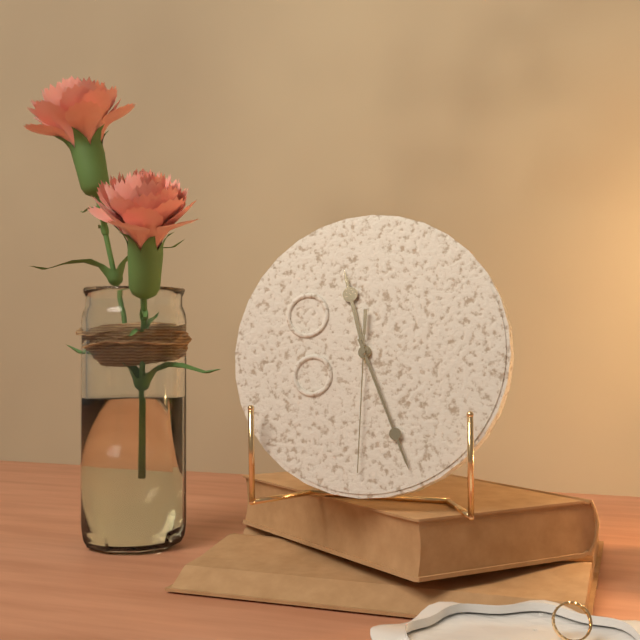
11:26:30
